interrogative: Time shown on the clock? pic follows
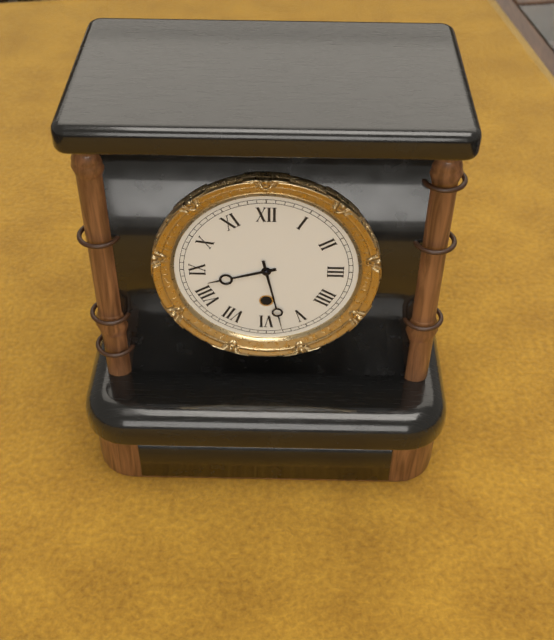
8:28
